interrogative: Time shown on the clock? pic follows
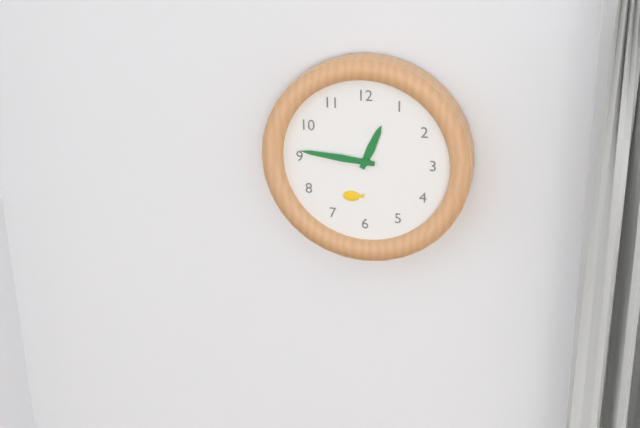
12:46
